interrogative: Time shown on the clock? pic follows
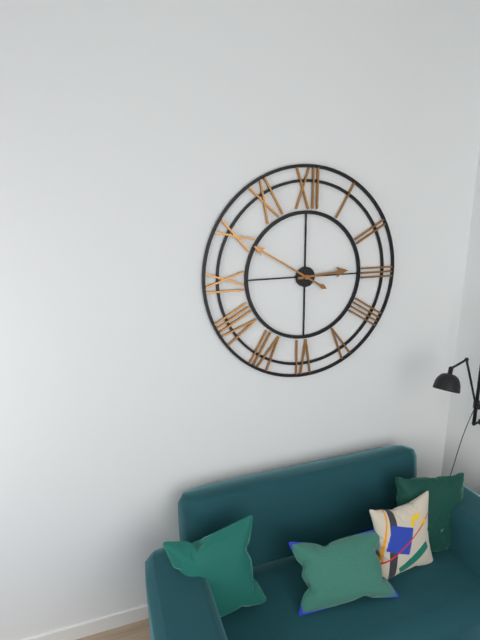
2:50
